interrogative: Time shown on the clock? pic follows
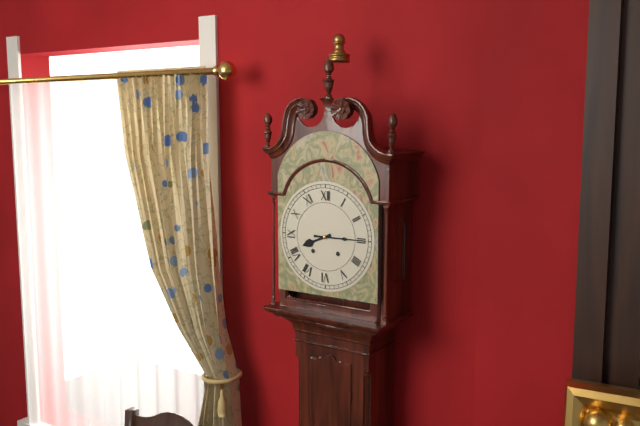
8:15
